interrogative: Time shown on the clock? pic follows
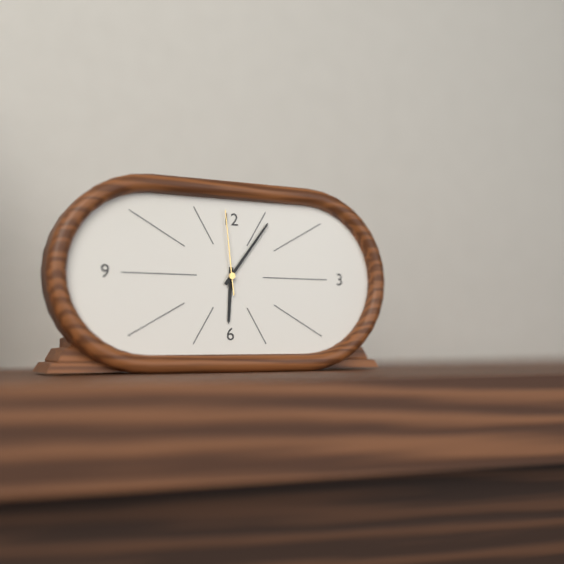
6:06:59
